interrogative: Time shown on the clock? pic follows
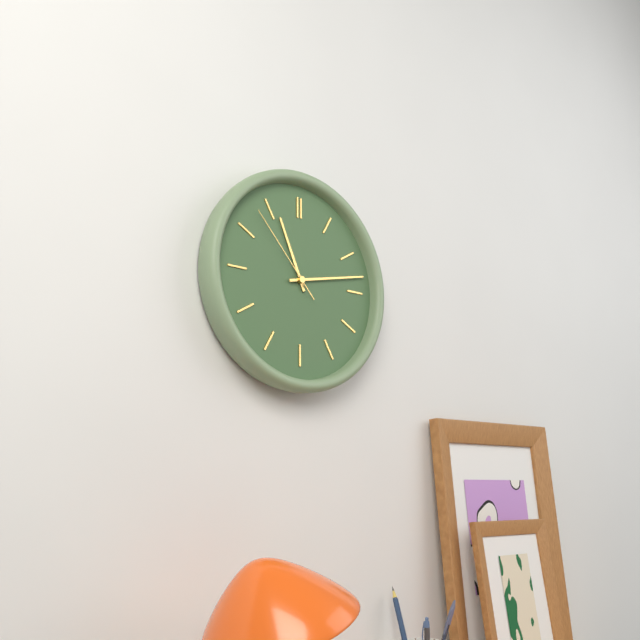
11:13:53
